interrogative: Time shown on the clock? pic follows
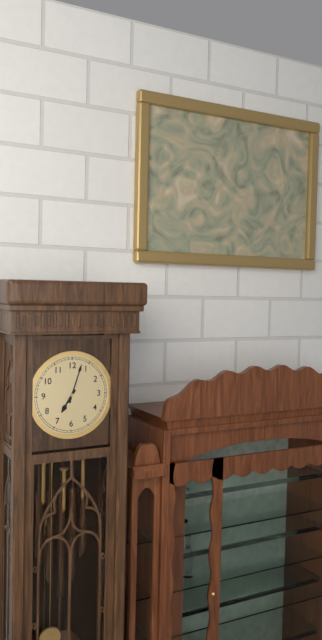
7:03
